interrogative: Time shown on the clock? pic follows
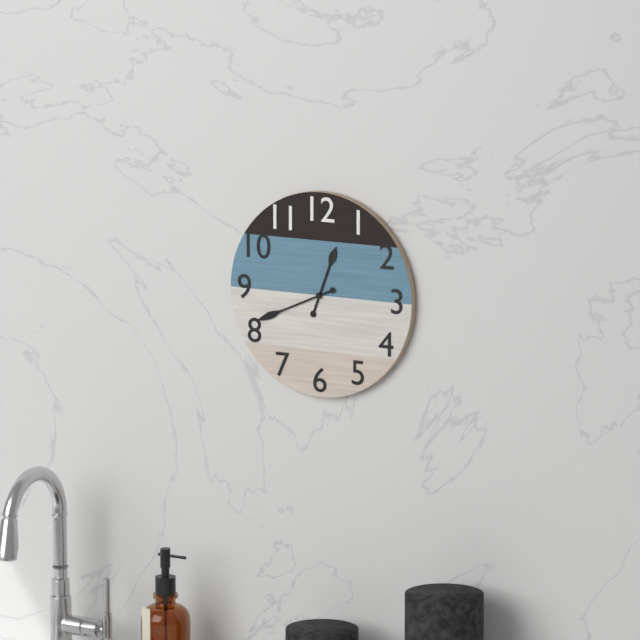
12:41
